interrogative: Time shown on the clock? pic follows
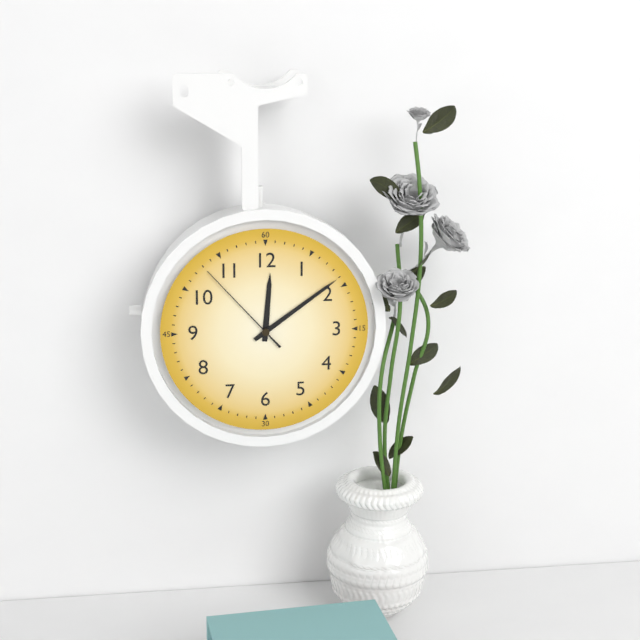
12:09:53
